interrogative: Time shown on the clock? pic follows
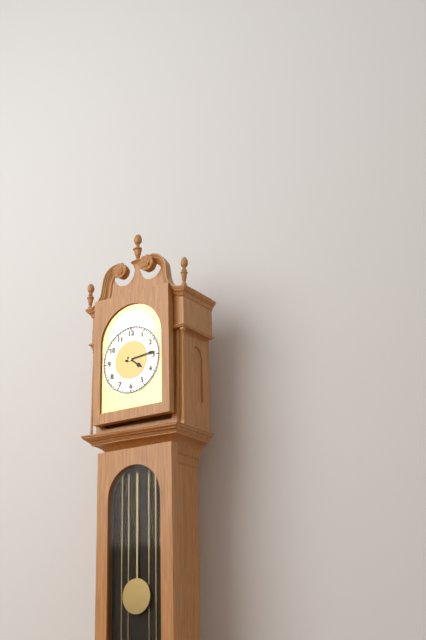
4:14
